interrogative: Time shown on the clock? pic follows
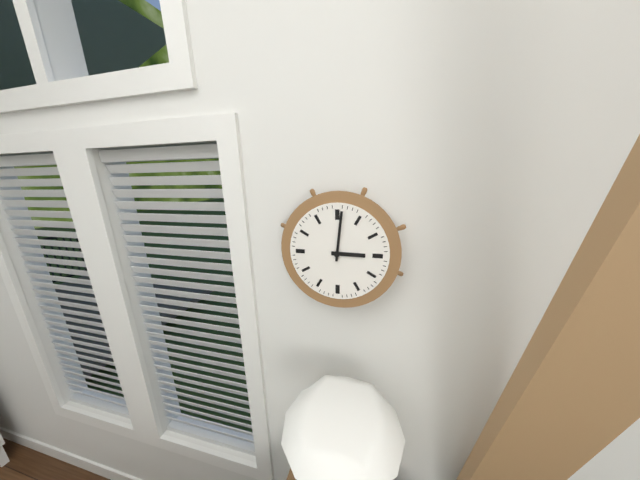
3:01
